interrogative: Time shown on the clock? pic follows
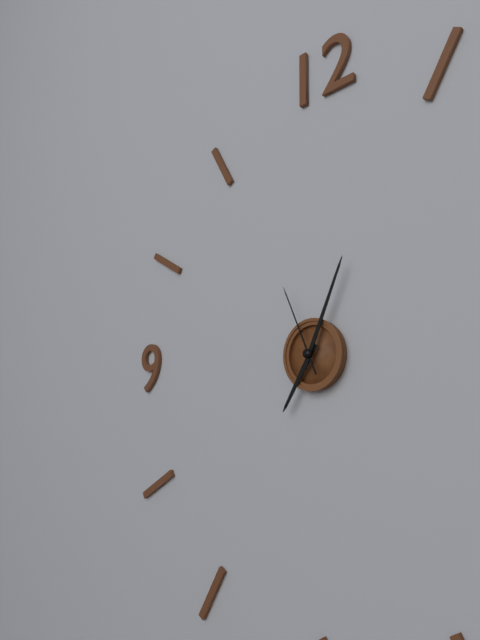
7:04:56
